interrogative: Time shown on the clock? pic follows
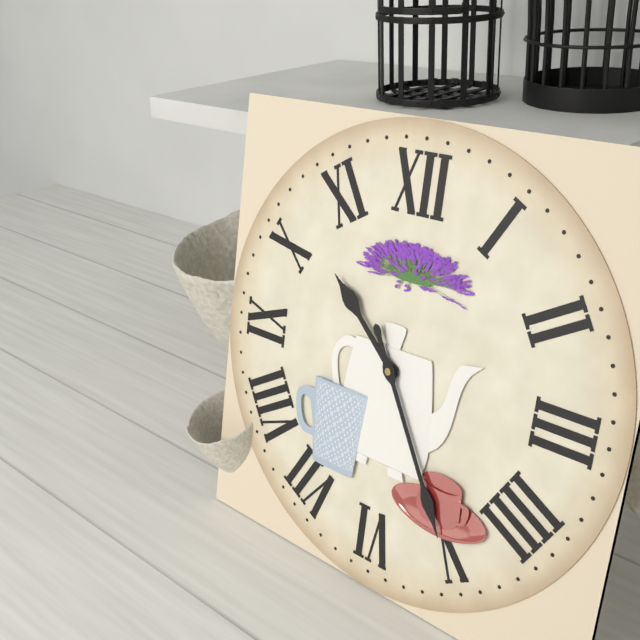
10:25
